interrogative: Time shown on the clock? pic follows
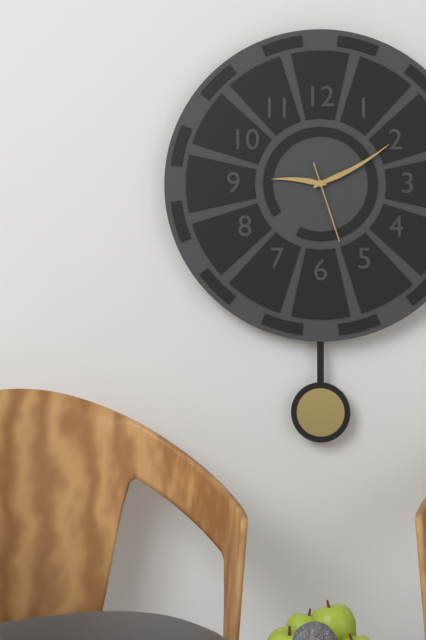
9:10:27
